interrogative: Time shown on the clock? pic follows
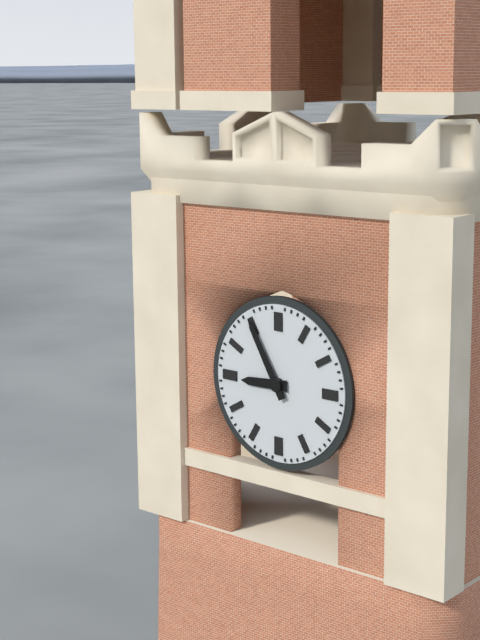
8:55
